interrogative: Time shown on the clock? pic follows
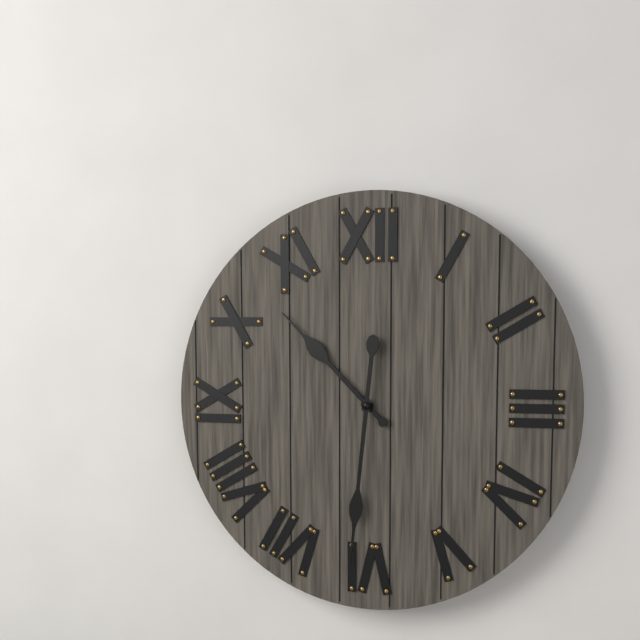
10:31
